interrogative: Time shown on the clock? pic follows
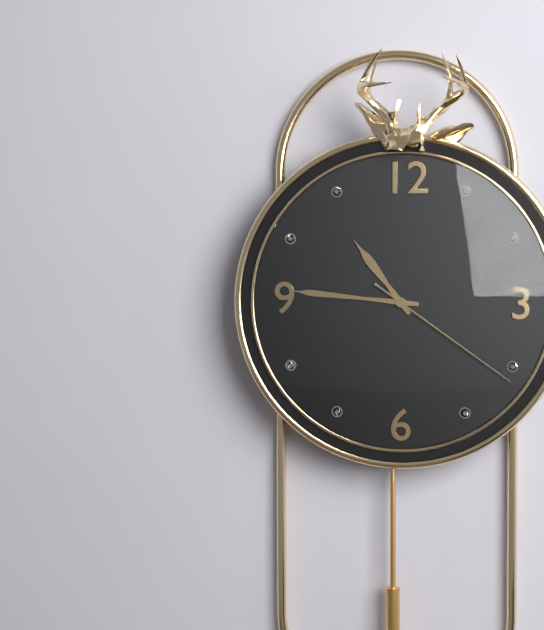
10:46:21
